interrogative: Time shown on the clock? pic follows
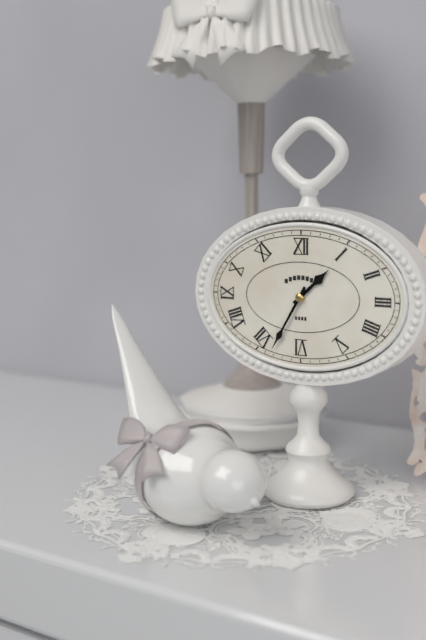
1:35
